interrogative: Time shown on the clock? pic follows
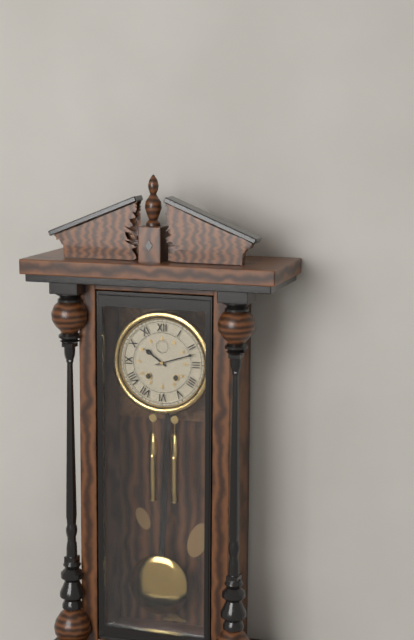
10:12
